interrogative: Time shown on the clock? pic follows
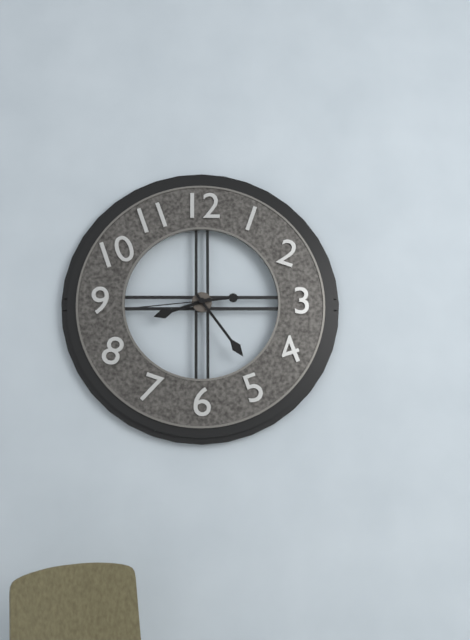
8:24:44
